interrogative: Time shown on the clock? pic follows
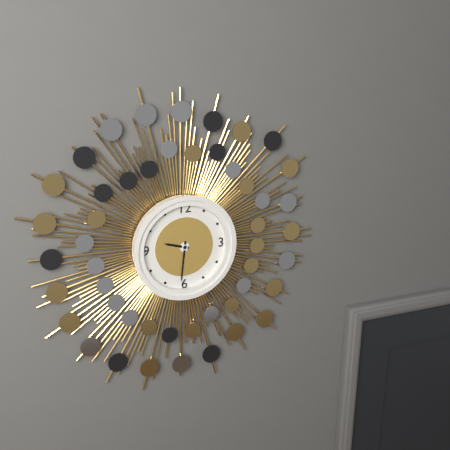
9:31
